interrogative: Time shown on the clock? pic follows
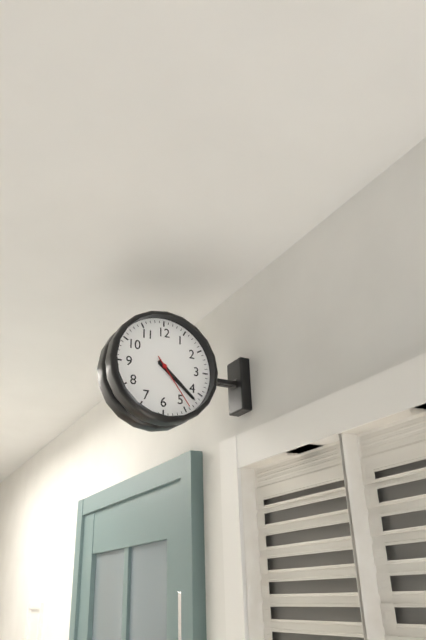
4:22:24
